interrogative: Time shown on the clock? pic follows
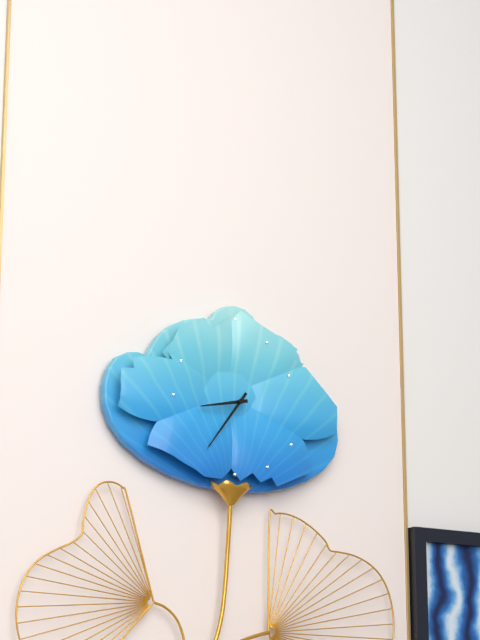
8:36
